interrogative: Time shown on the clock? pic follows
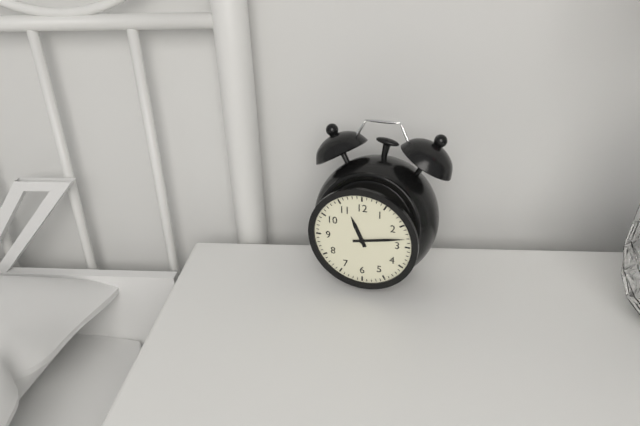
11:13
